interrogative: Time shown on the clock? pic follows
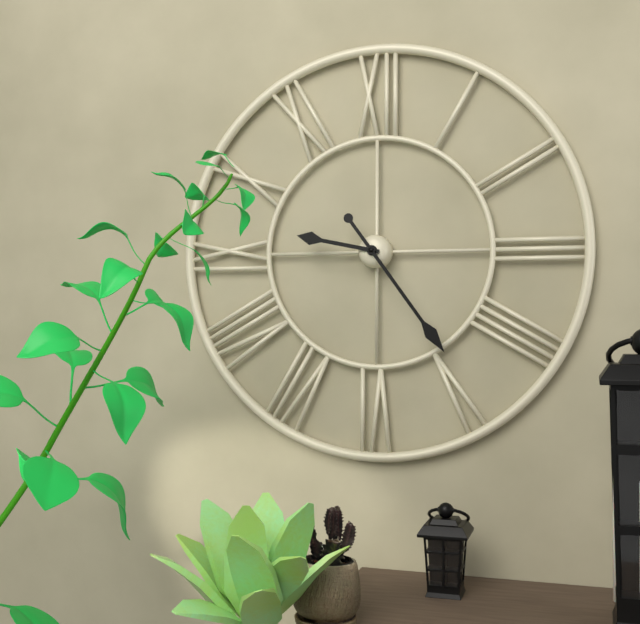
9:24
